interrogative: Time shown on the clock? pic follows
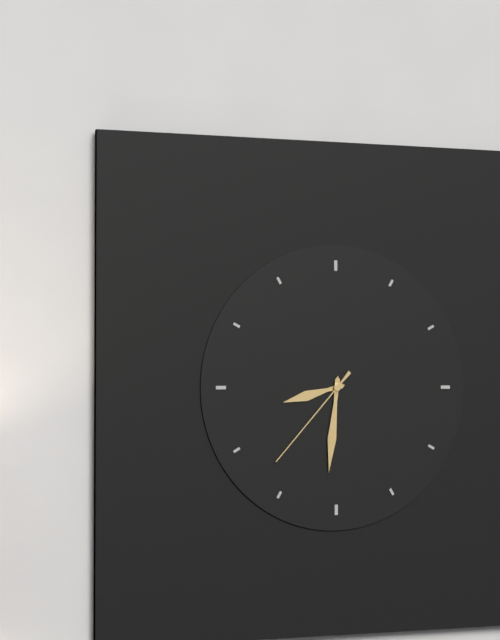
8:31:37
